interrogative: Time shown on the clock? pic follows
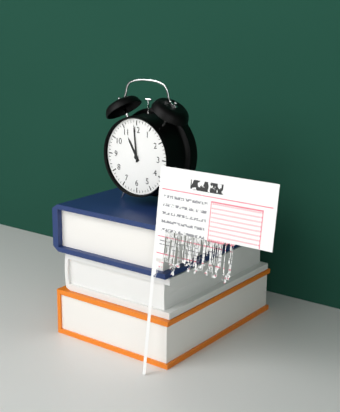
10:59
